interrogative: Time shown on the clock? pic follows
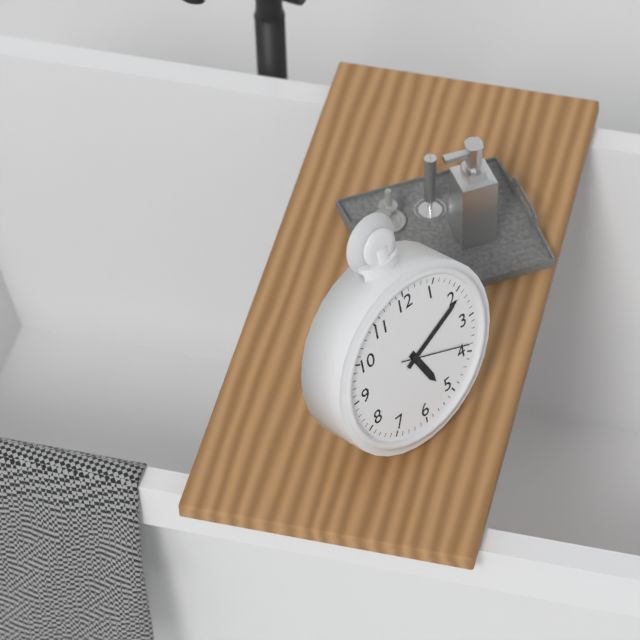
5:11:19
